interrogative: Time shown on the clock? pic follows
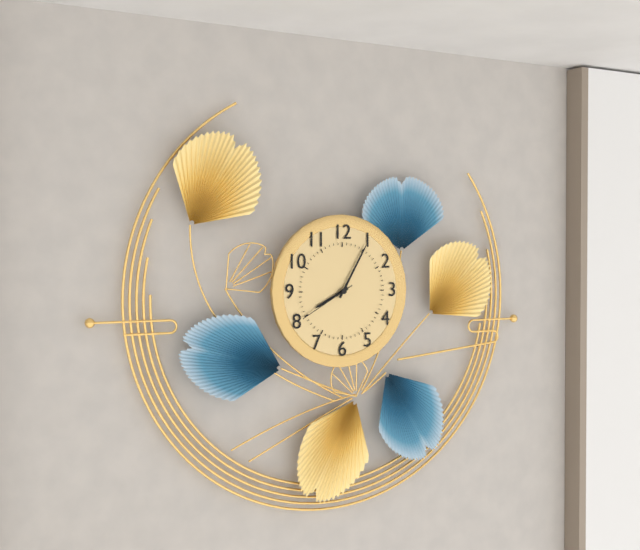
8:05:40
